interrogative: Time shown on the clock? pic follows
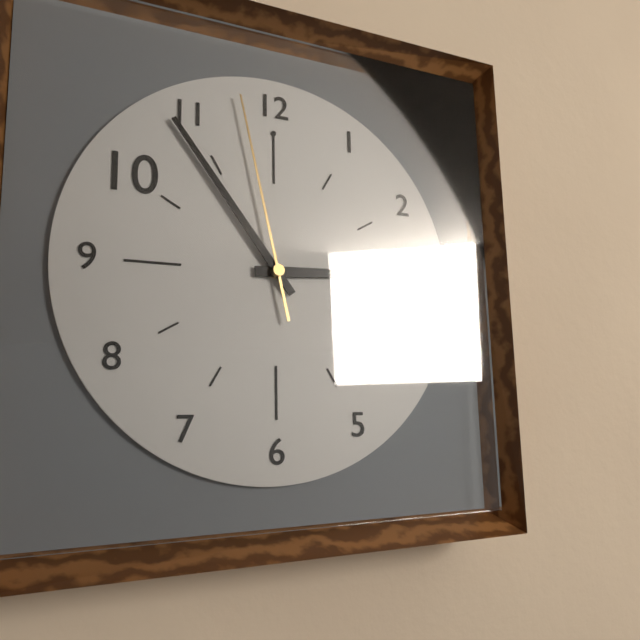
2:54:58
